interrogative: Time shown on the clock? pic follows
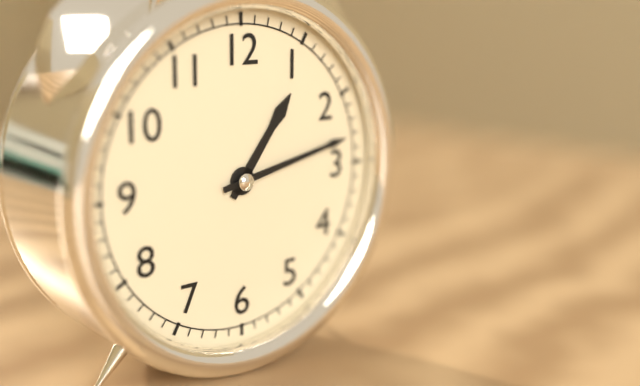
1:13
